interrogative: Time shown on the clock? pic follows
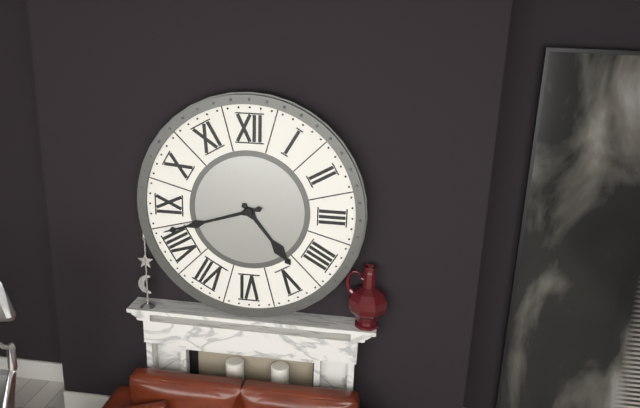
4:42
